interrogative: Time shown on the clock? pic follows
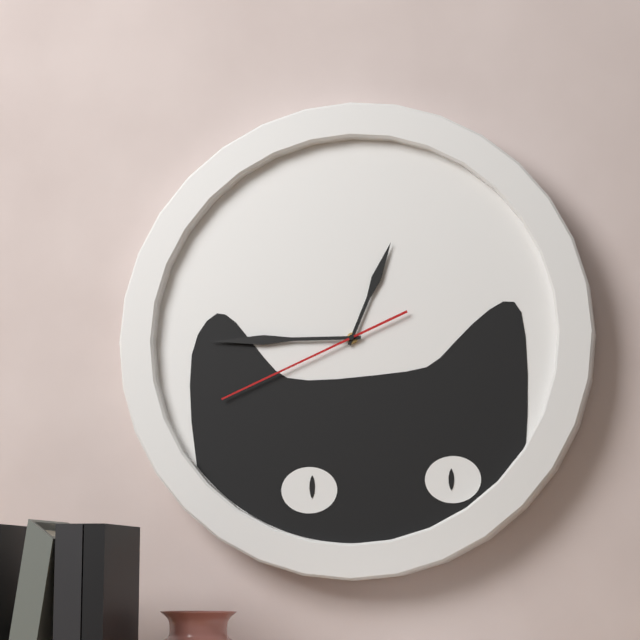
12:45:41
